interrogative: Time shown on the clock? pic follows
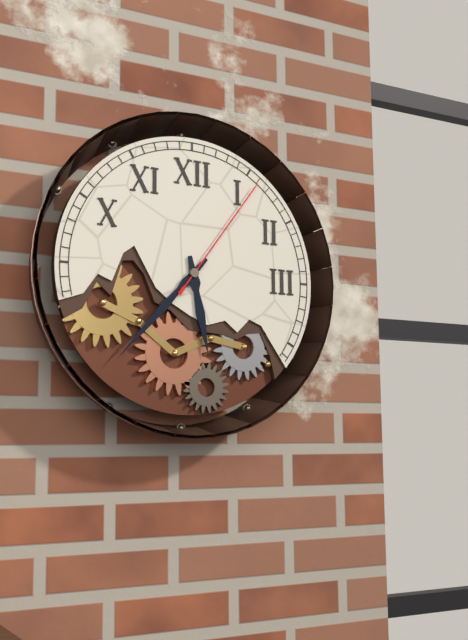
5:37:06
